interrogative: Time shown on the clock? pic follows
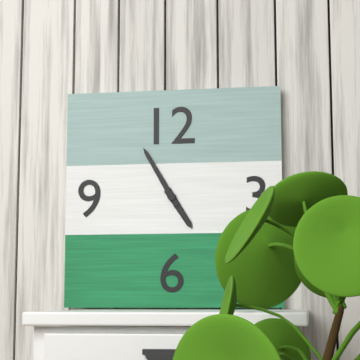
4:55
